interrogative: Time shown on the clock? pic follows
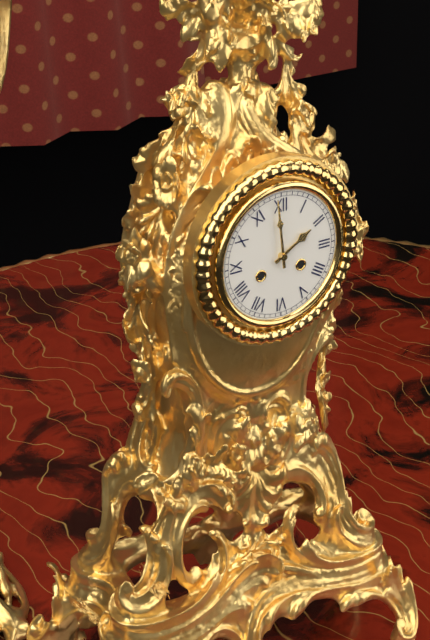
1:59
